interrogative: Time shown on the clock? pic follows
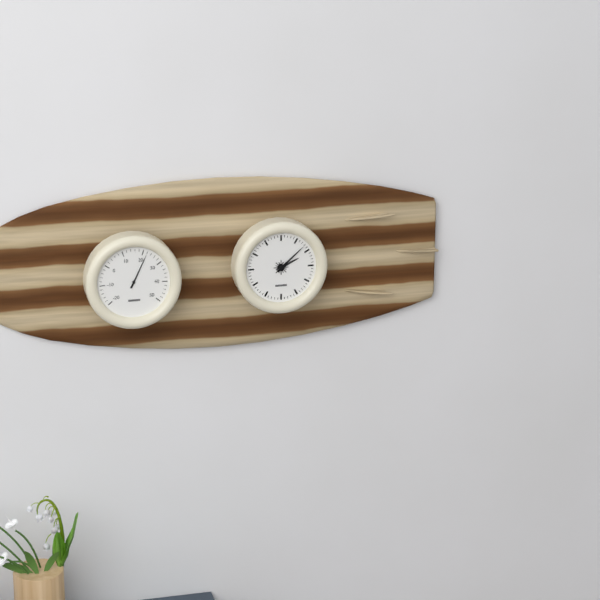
2:08
